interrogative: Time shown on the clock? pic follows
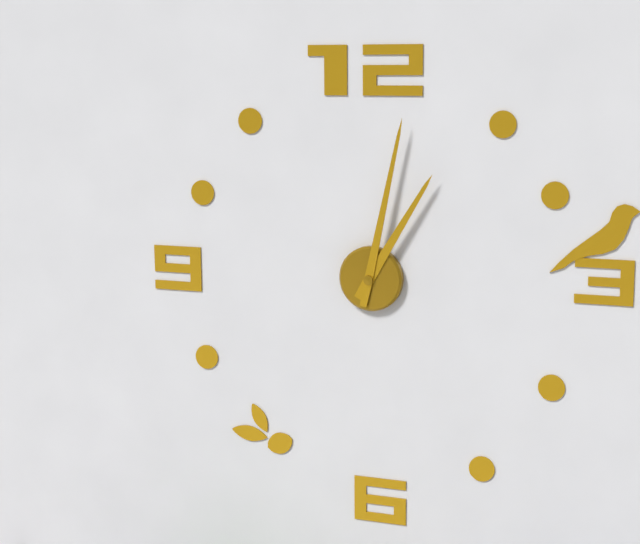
1:02
